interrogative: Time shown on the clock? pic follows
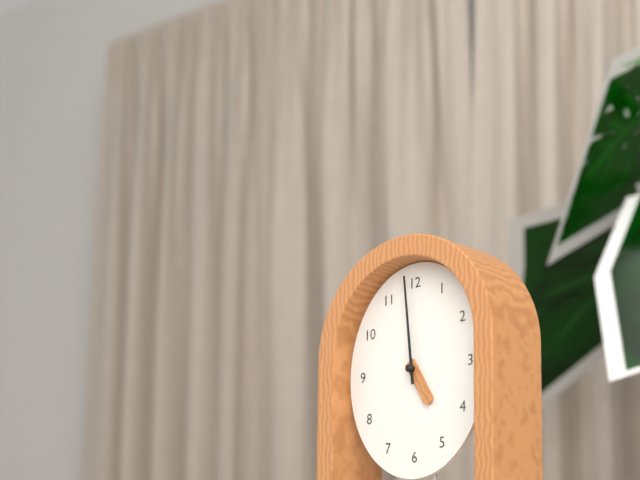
4:59
